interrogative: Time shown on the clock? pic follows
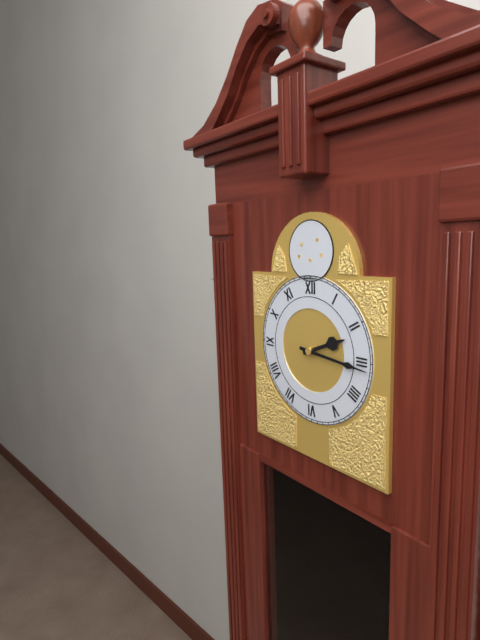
2:16
